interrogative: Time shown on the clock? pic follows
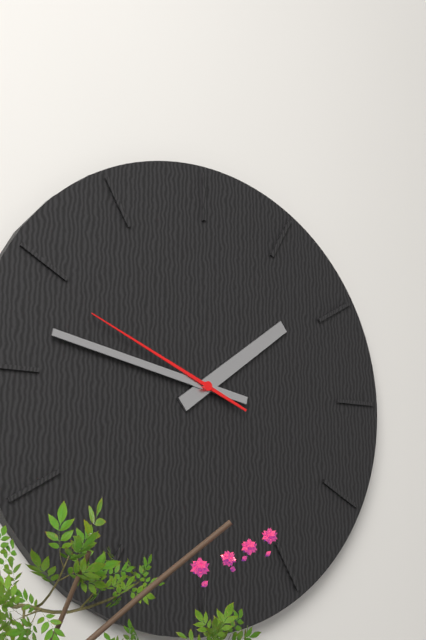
1:47:49
